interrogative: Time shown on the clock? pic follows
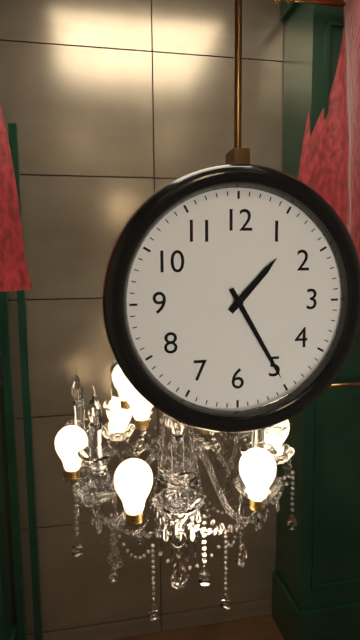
1:25
